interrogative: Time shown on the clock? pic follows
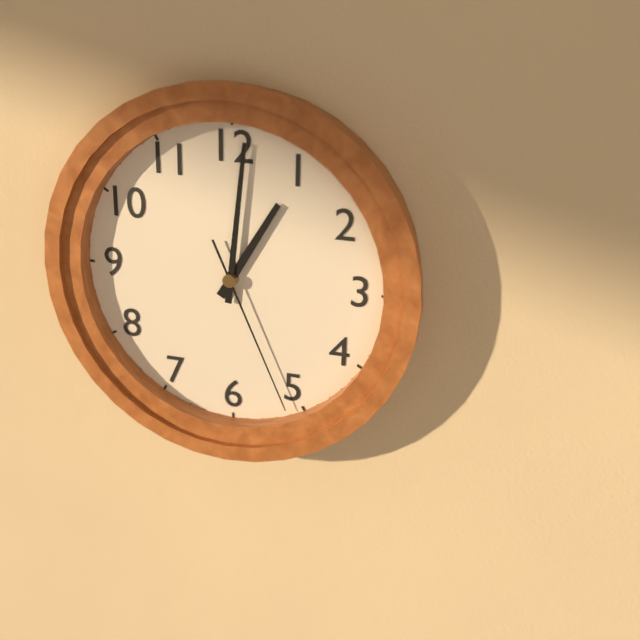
1:01:26
